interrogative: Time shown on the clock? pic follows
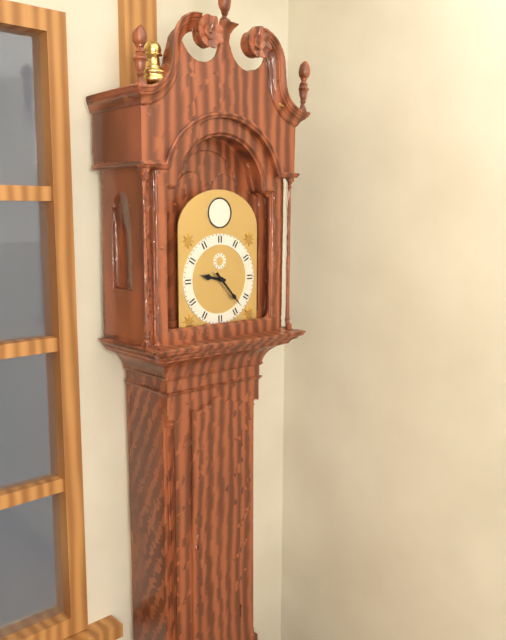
9:23
